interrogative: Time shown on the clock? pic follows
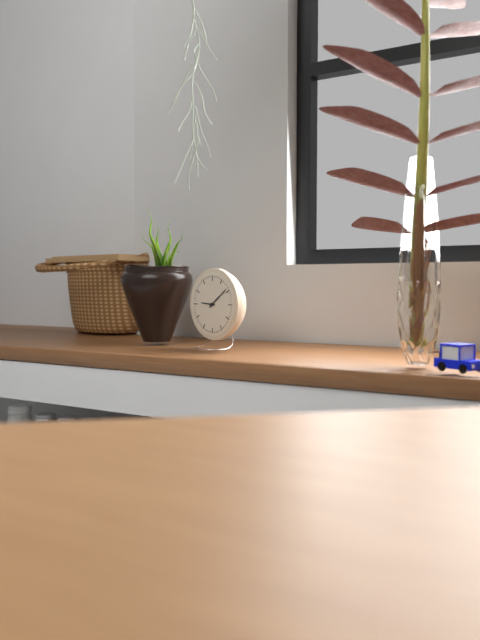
9:09
